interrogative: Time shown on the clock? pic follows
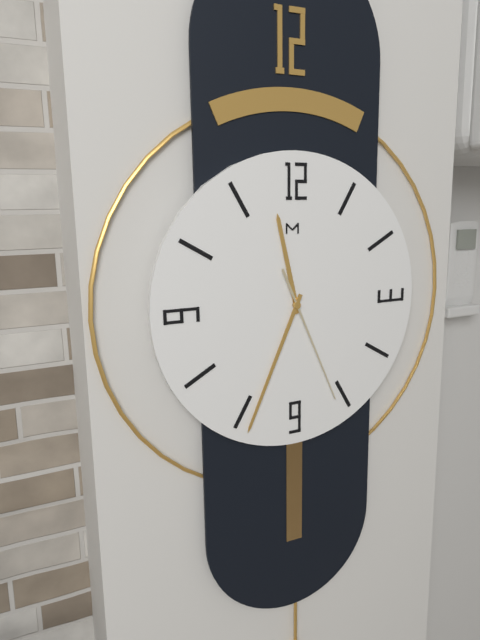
11:34:26
